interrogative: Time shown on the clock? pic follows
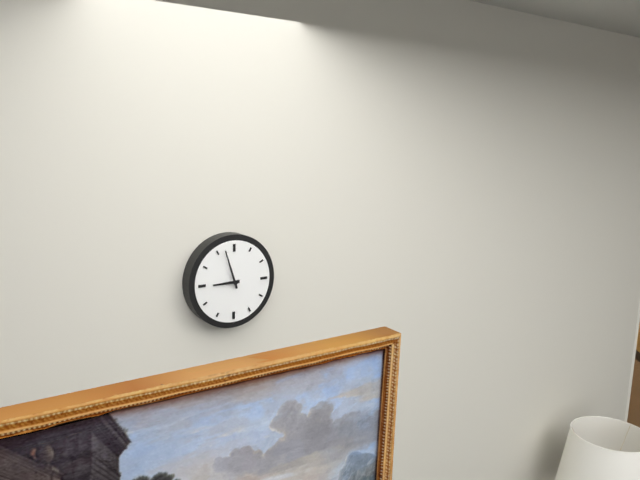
8:57
